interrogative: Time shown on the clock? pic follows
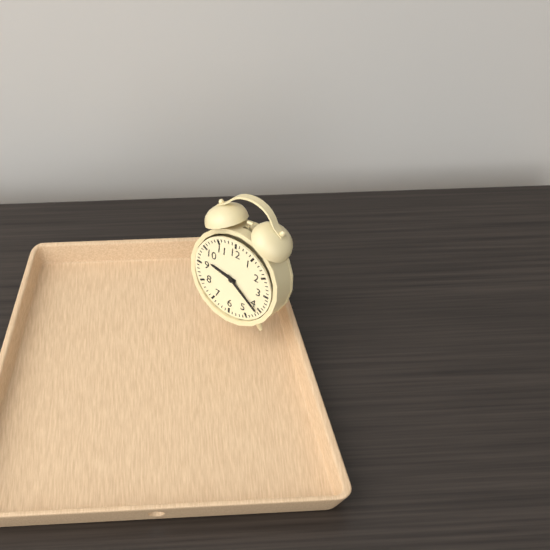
9:21
